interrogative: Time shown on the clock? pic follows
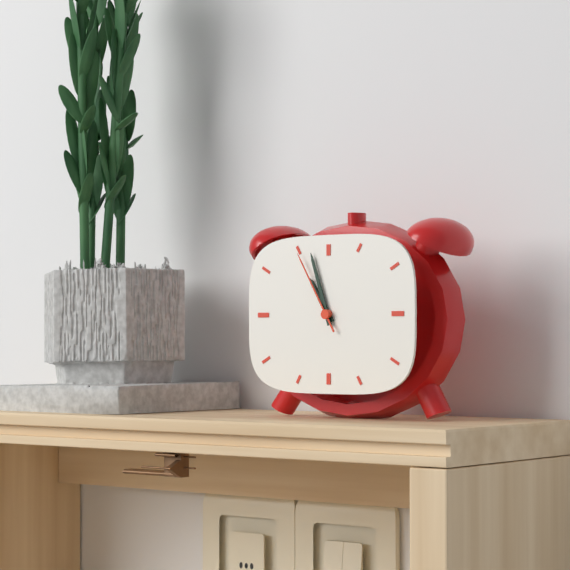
10:57:55
